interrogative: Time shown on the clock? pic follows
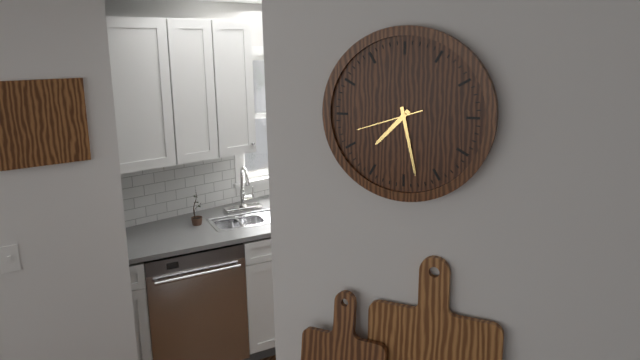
7:28:42
